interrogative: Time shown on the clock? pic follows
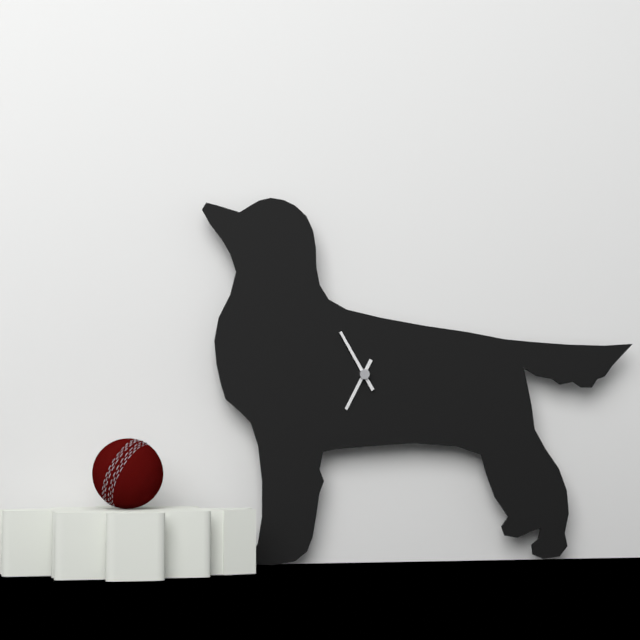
6:55
